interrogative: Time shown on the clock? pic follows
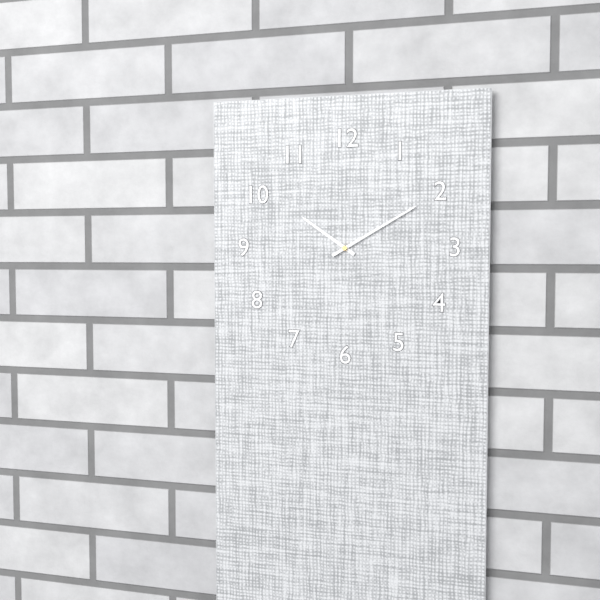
10:10
